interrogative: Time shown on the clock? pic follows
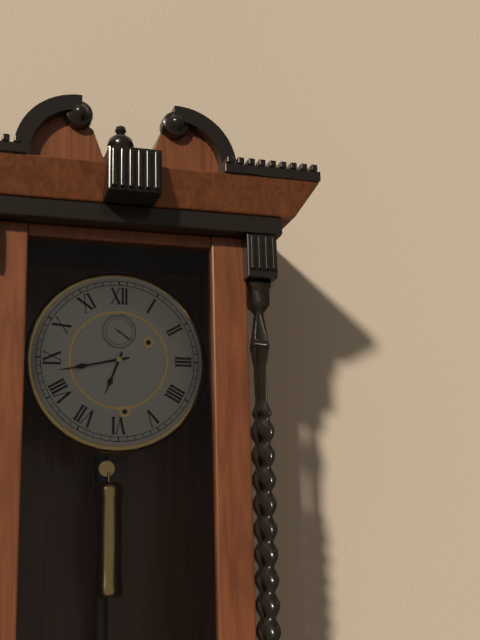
6:43
